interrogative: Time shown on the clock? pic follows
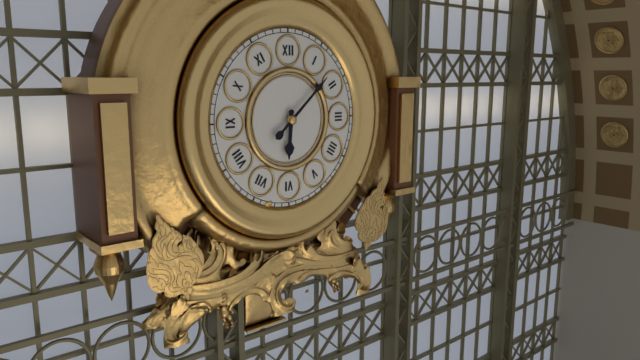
6:08
